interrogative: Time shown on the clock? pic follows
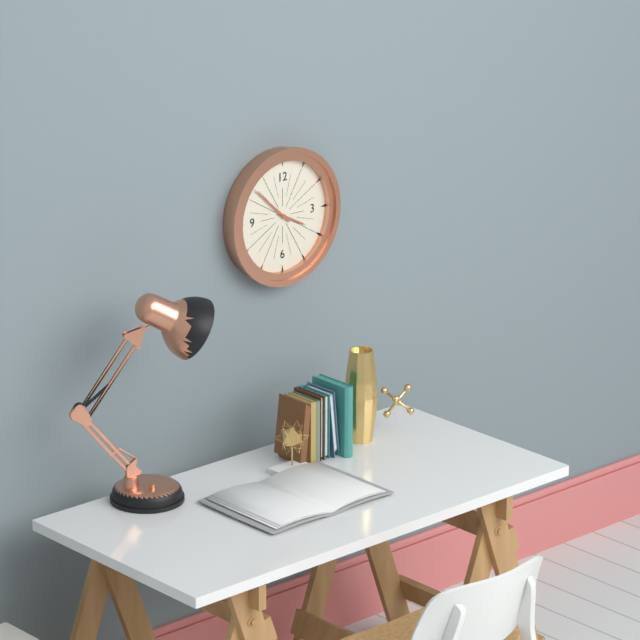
3:52
